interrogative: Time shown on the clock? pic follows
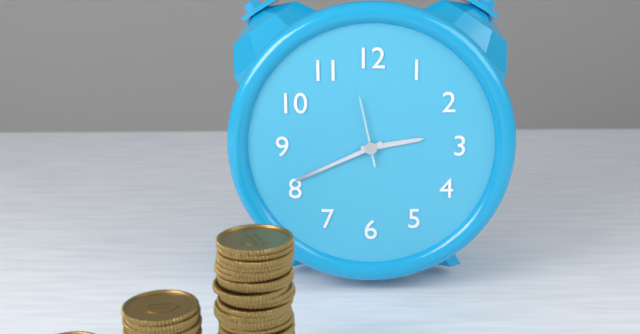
2:41:58
